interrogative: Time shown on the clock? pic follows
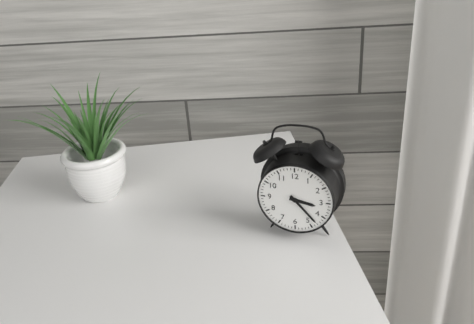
3:23
